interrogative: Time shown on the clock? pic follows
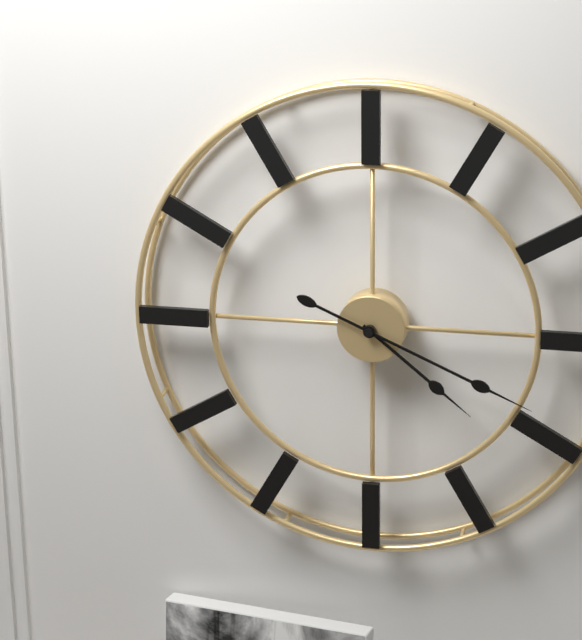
4:19
